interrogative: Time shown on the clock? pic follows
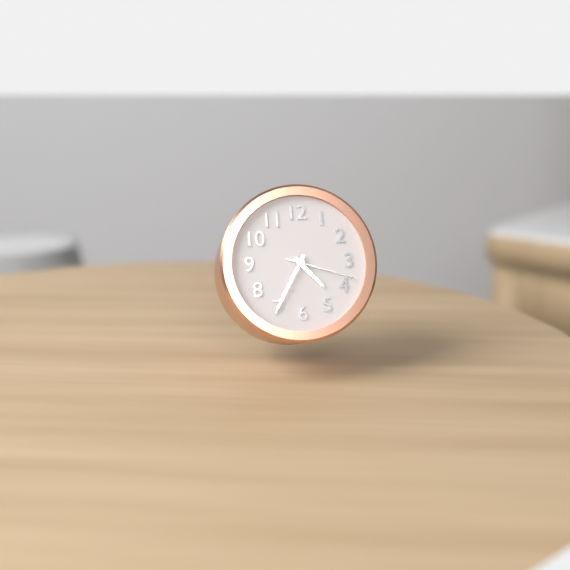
4:35:18
